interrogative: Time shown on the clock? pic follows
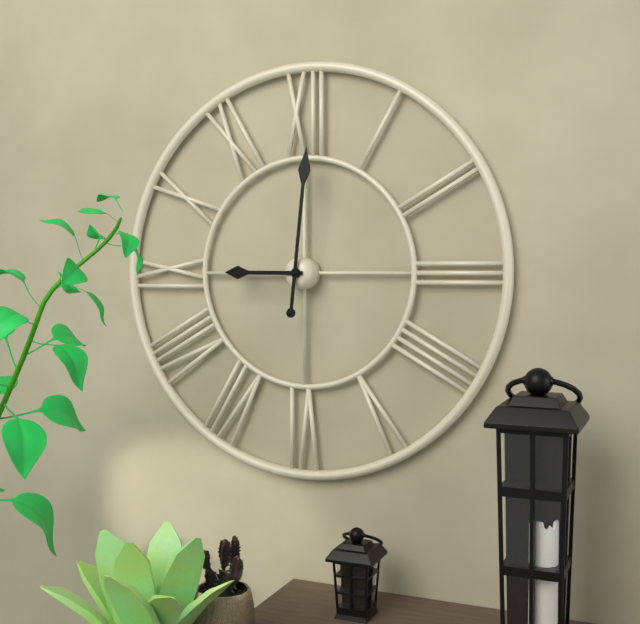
9:01
